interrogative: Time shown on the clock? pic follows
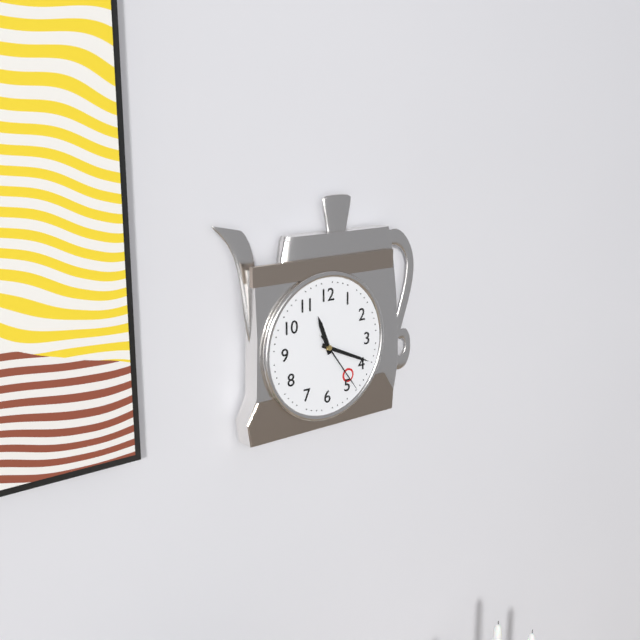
11:19:24
